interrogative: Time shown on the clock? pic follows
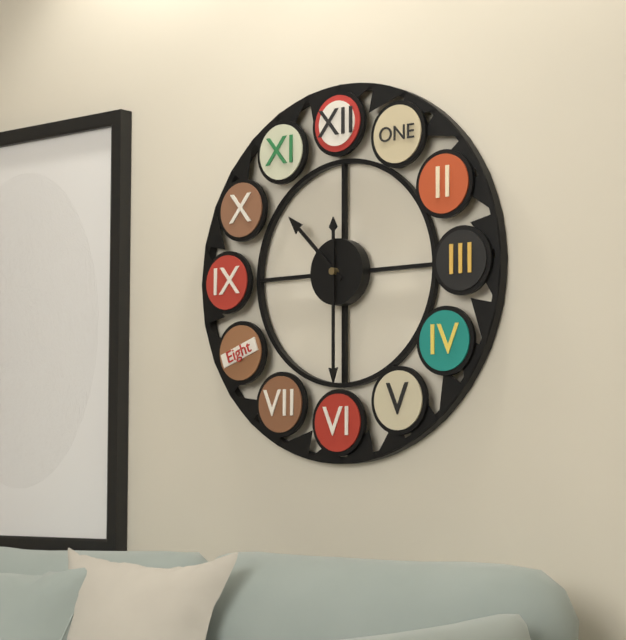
10:30
